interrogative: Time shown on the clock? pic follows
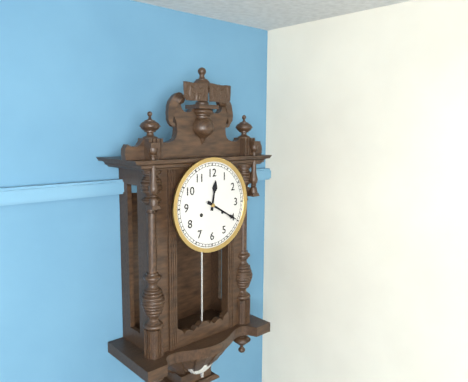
12:20
